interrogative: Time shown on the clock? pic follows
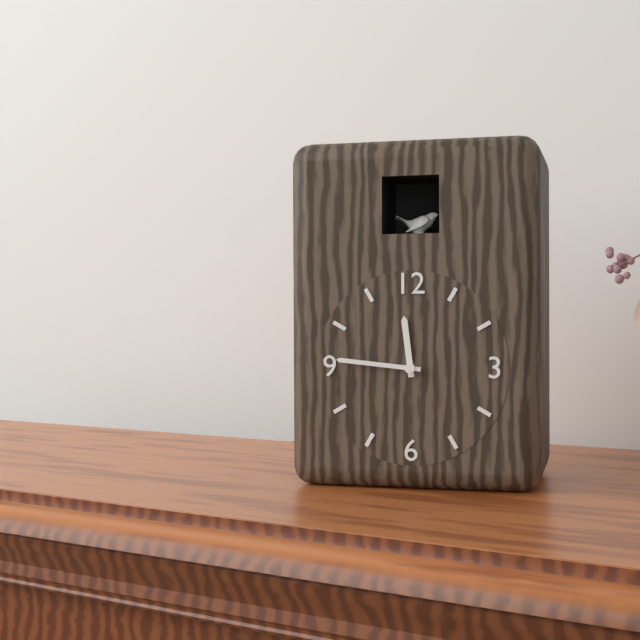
11:46
